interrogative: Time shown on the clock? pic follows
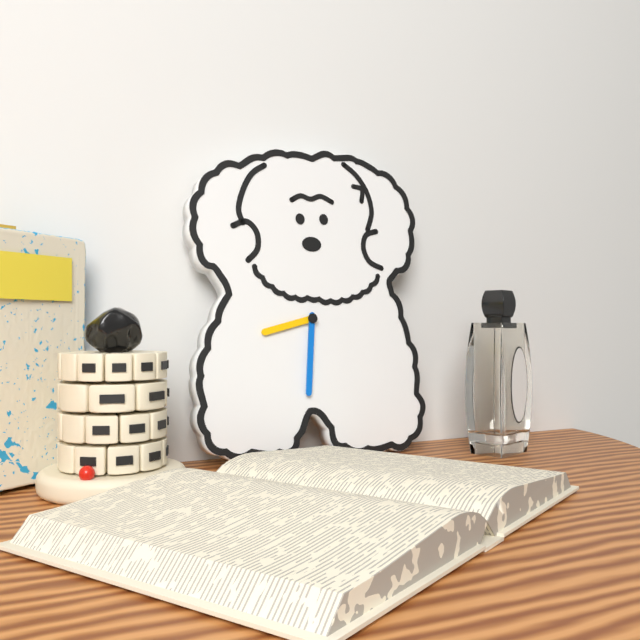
8:31
